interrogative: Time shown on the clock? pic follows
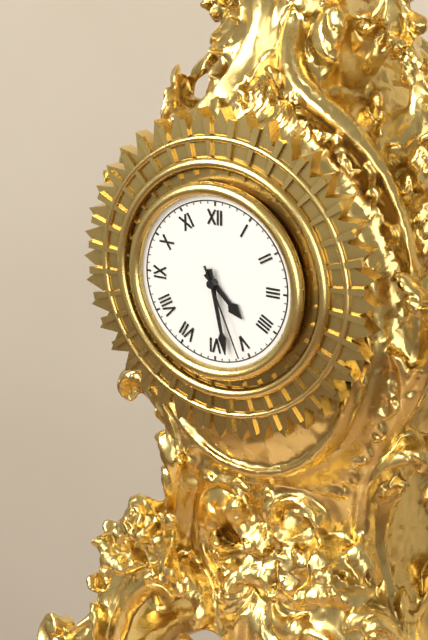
4:28:26
